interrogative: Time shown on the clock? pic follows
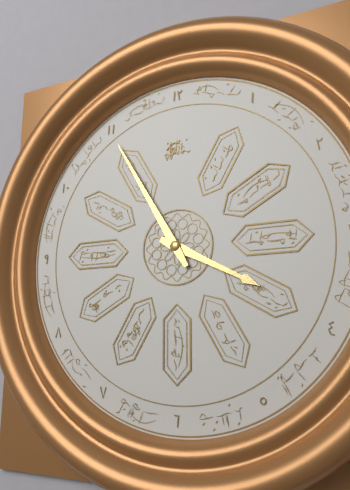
3:55
